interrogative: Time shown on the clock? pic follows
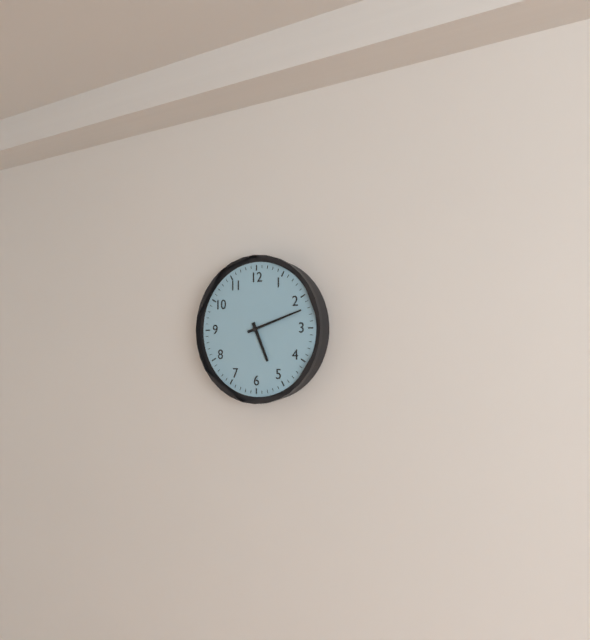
5:12
